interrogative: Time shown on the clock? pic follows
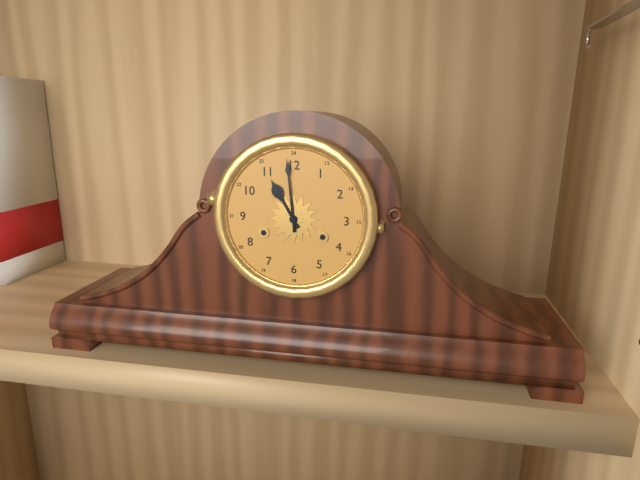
10:59
